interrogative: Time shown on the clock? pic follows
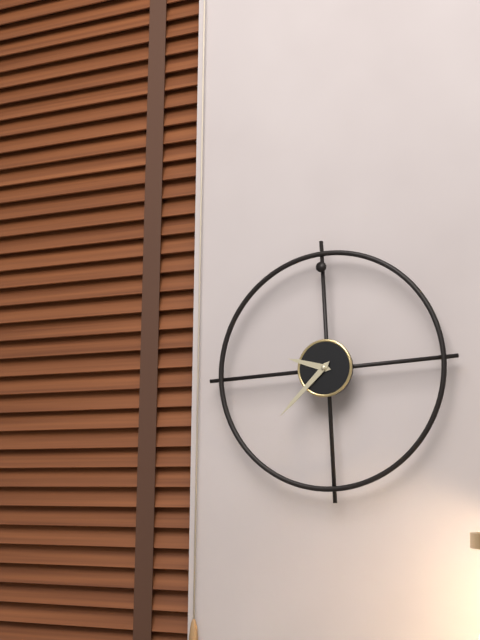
9:38
